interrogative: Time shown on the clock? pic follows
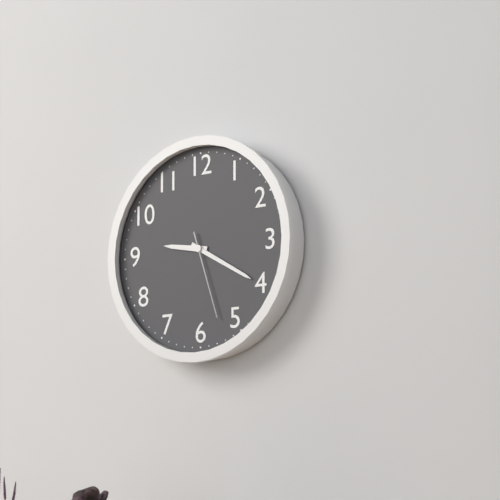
9:20:27
